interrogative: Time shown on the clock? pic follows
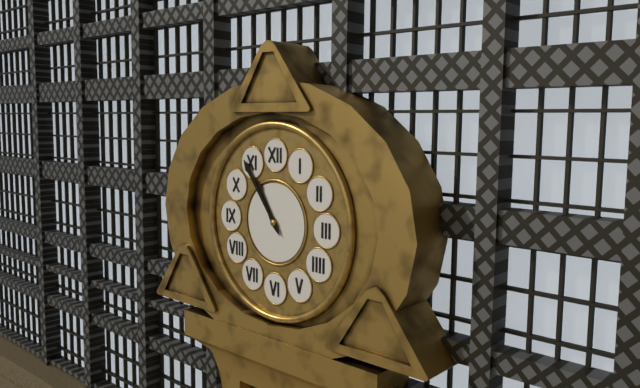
10:54
